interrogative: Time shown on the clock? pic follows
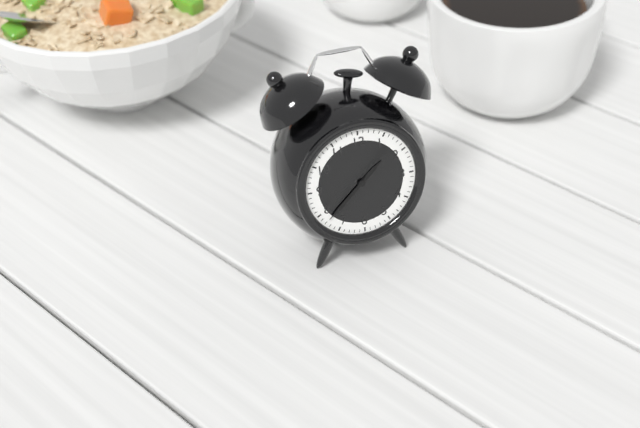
1:38
